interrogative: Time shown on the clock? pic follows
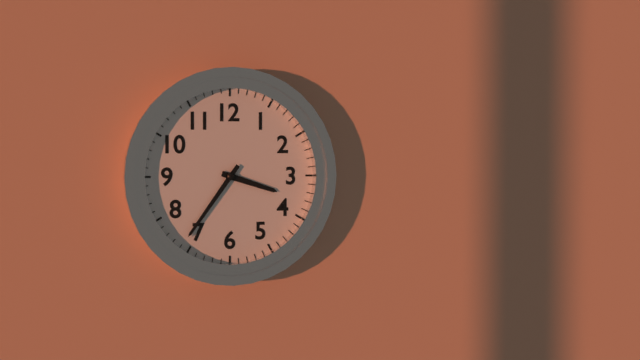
3:36
